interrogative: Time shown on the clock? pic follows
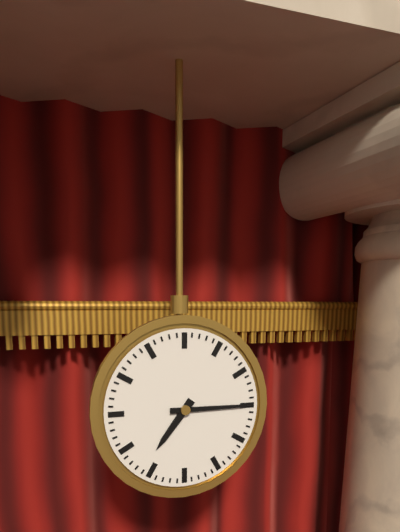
7:15
